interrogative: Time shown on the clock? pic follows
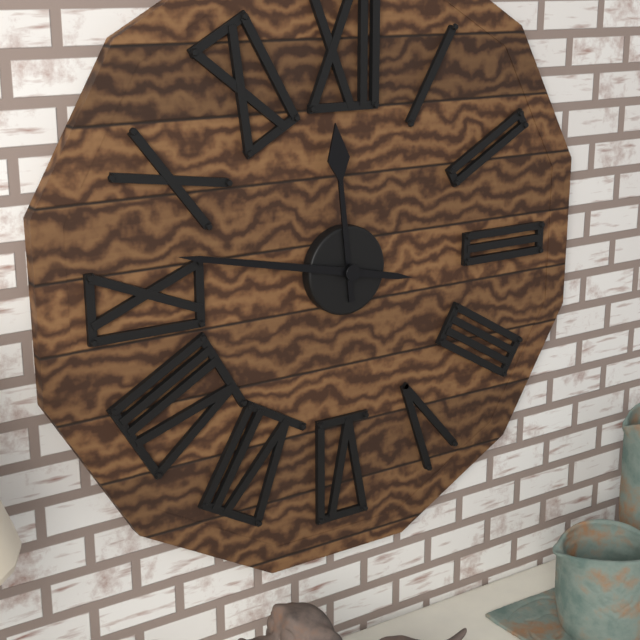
11:47
